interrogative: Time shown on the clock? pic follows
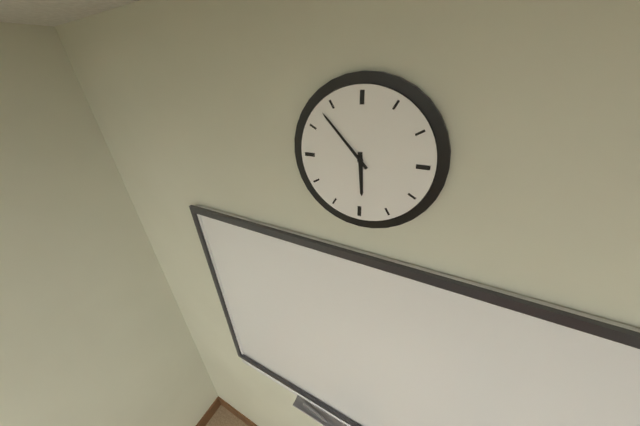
5:53
